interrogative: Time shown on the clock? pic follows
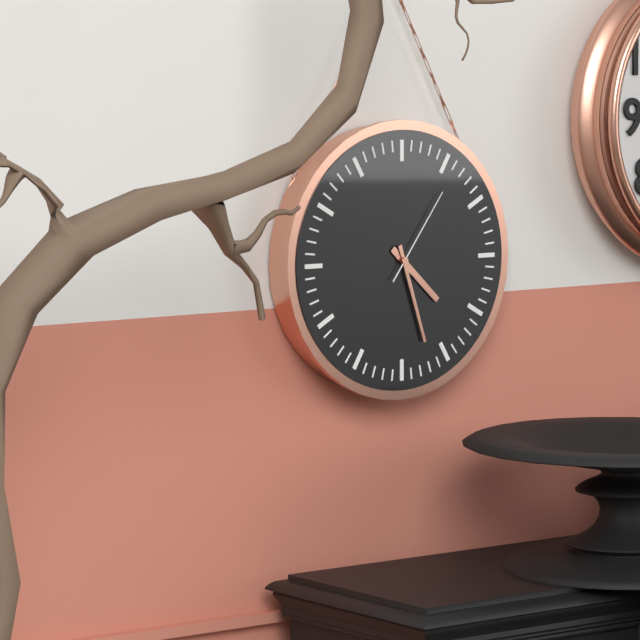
4:27:06
